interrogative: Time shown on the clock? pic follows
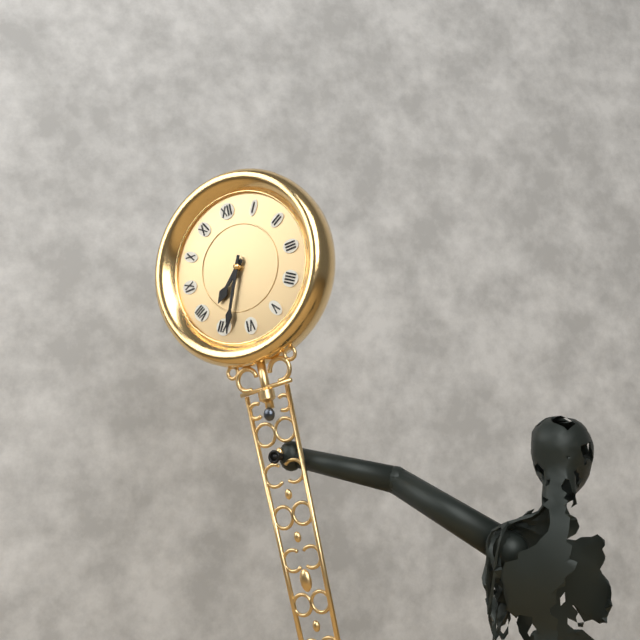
7:34
